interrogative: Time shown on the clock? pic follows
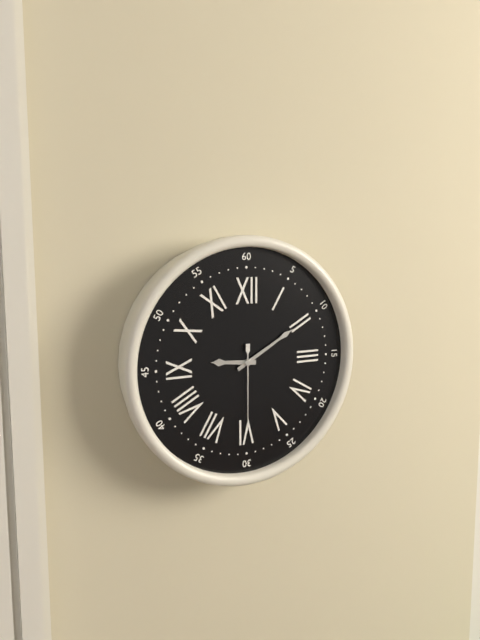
9:10:30
